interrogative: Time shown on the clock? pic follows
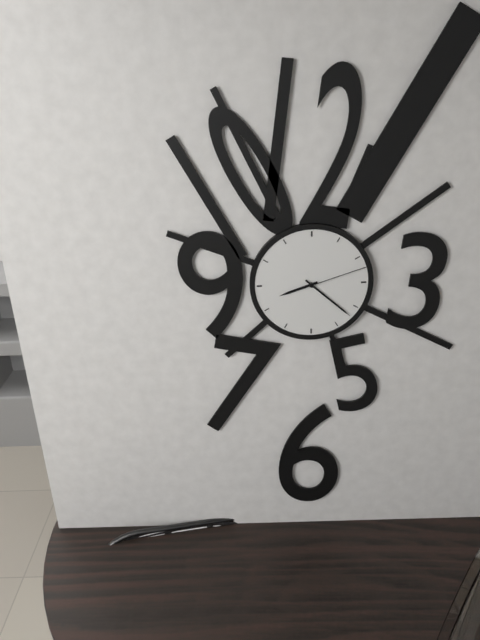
8:22:12
